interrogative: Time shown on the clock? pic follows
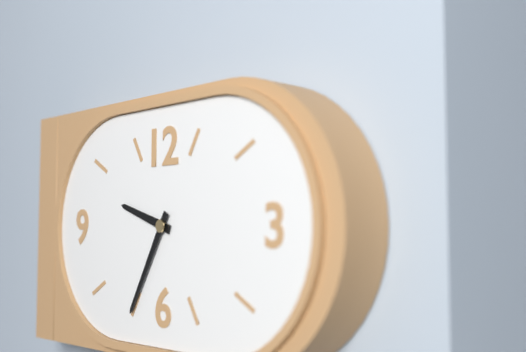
9:35
